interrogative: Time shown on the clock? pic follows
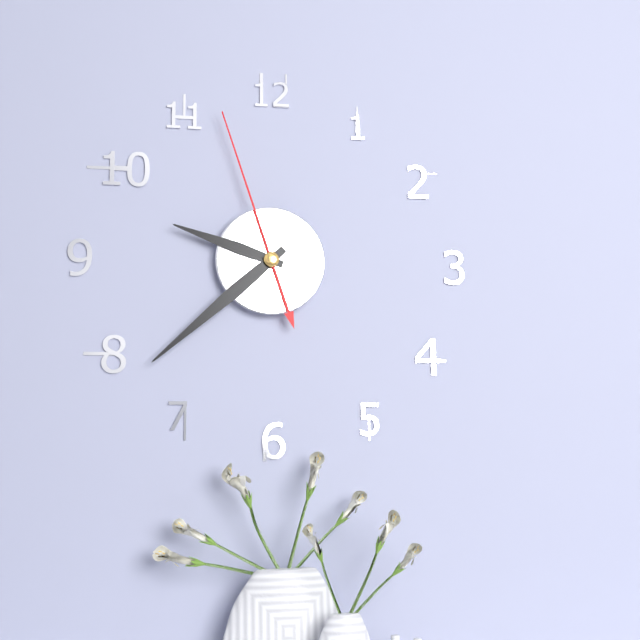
9:38:57
